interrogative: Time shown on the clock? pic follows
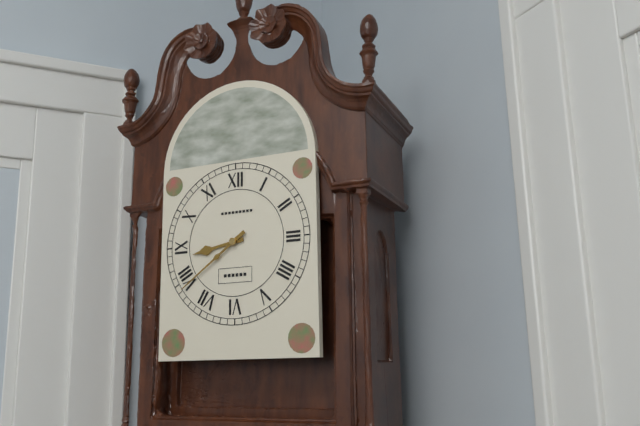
8:39
